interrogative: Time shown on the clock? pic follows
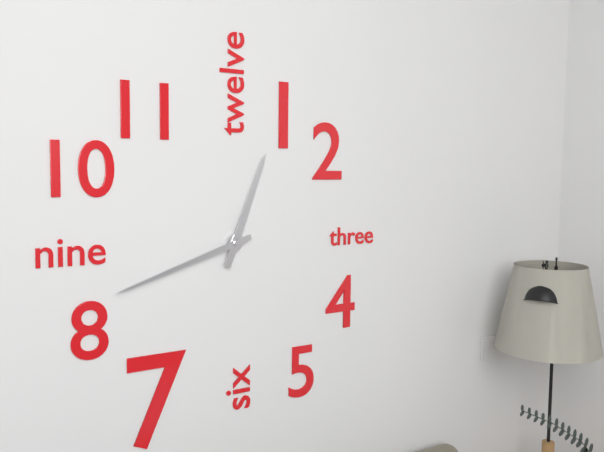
12:42
